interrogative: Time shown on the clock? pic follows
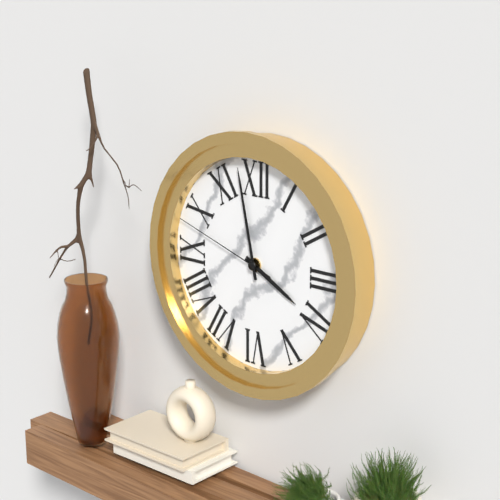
3:58:48
